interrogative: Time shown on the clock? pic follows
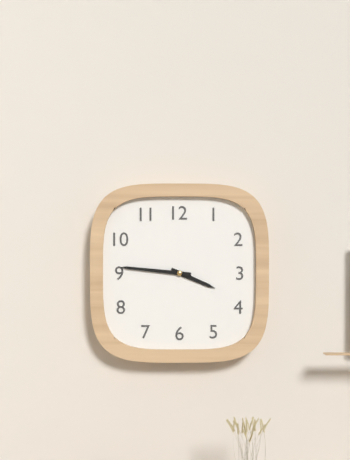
3:46
